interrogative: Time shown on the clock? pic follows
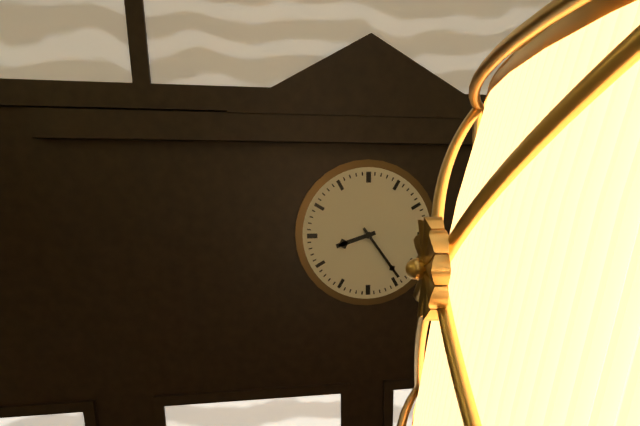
8:24
